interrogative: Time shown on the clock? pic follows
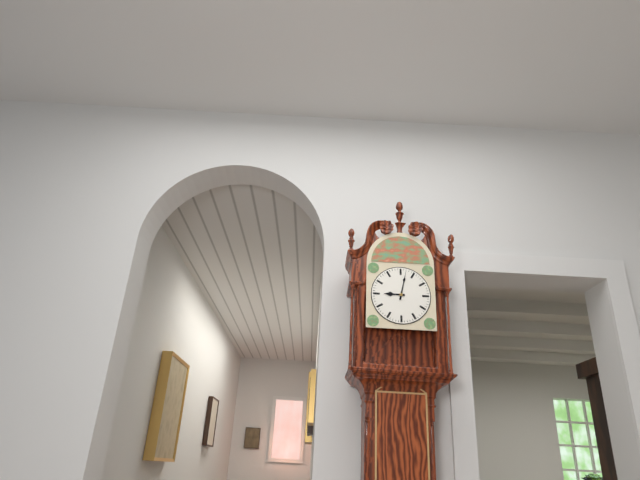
9:02
